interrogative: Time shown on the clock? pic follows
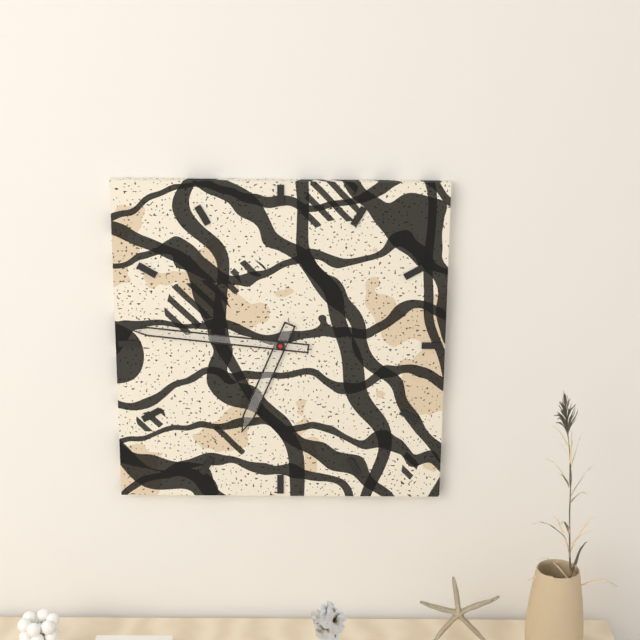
6:46
